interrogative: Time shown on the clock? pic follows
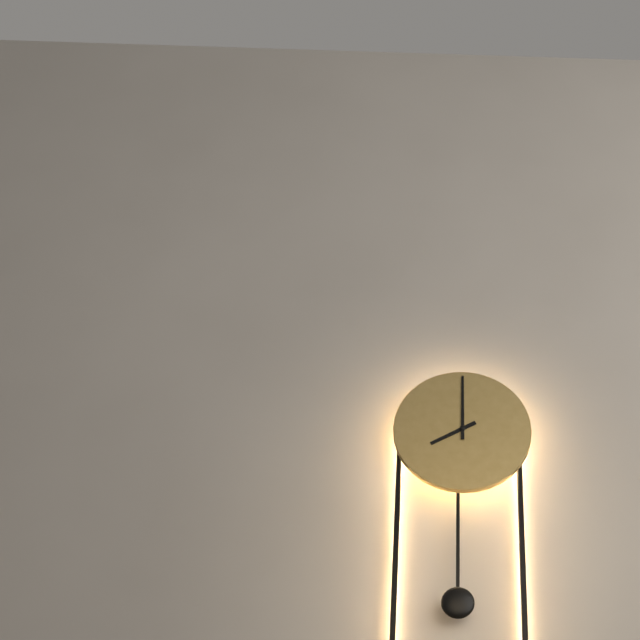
8:00
